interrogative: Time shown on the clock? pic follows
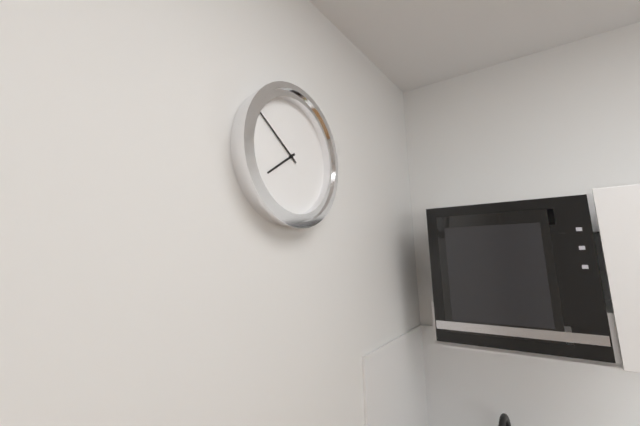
7:51
